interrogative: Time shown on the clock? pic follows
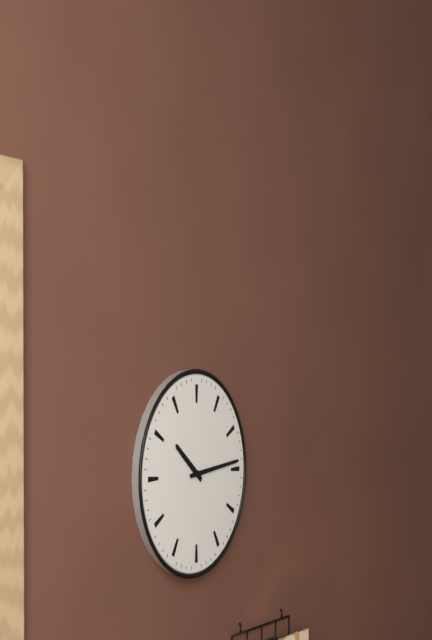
10:14
